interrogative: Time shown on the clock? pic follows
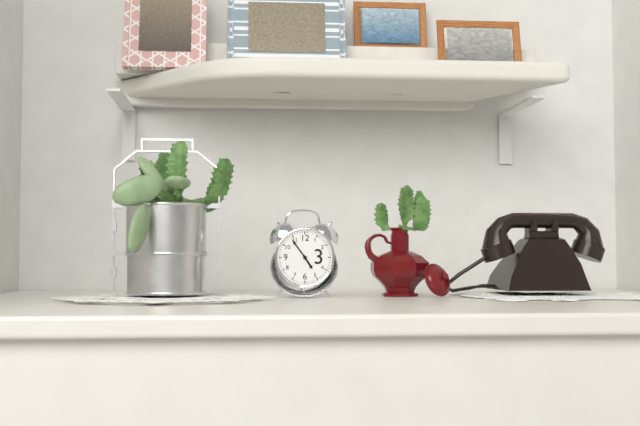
4:54
